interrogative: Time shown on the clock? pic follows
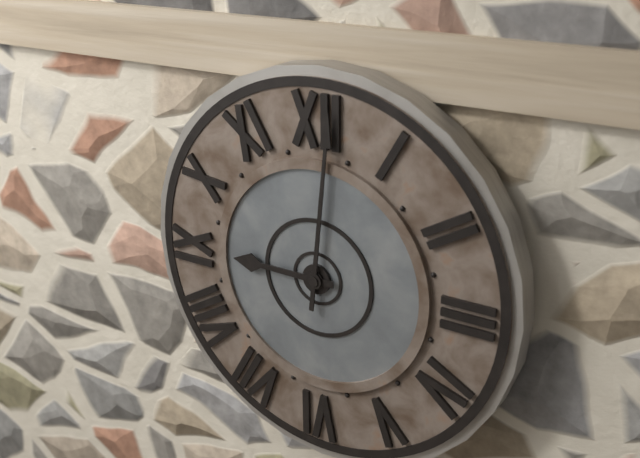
9:01
